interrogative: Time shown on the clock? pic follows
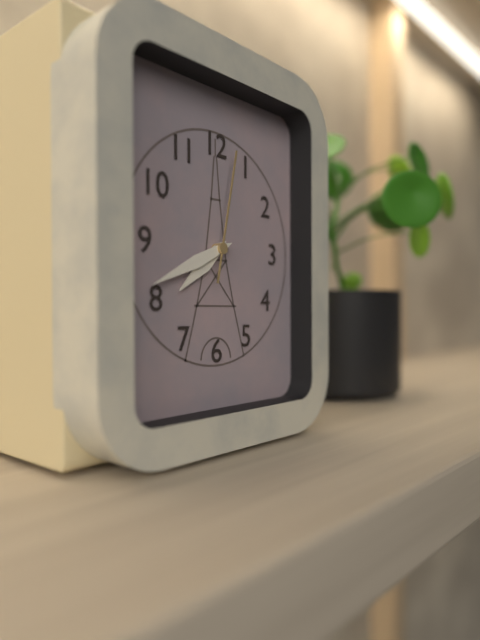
7:41:02
